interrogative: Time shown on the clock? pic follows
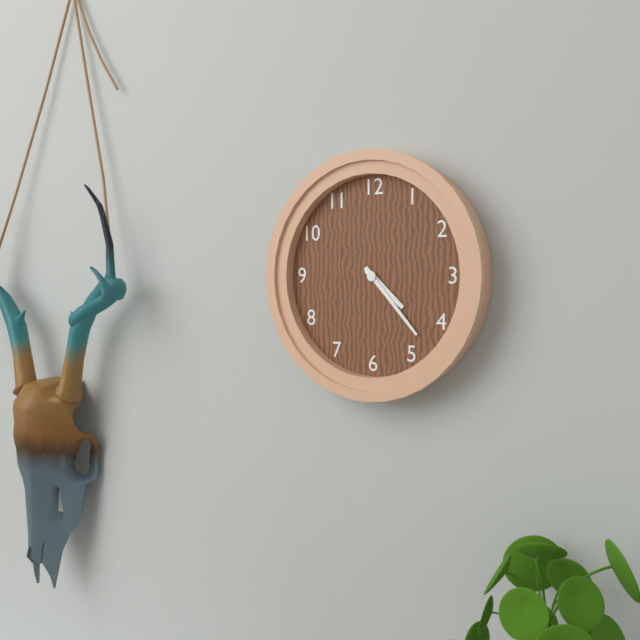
4:23
